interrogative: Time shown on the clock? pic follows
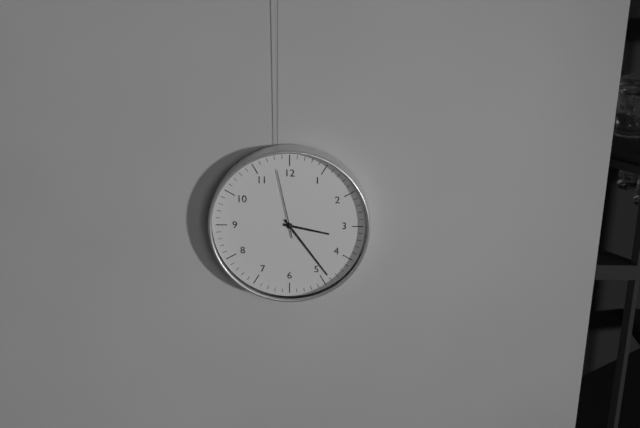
3:24:58
